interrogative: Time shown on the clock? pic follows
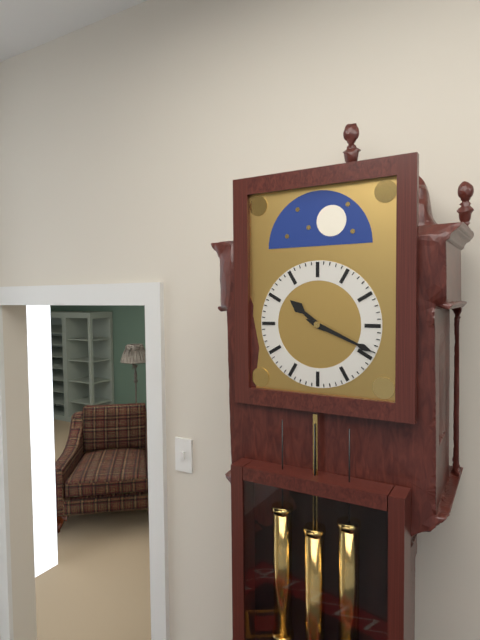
10:19
